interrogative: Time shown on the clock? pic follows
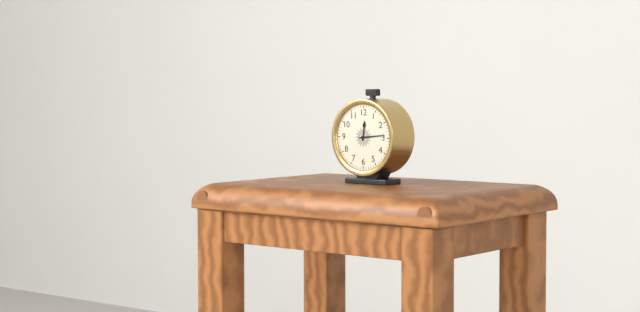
12:14
